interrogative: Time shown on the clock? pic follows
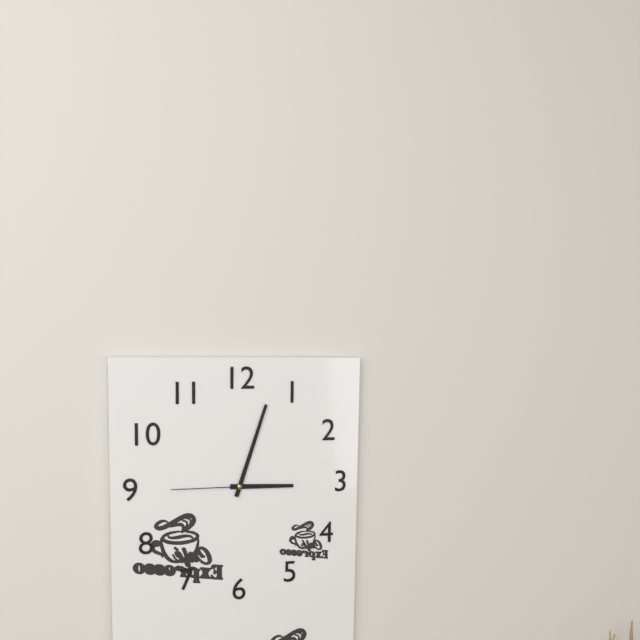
3:03:45
